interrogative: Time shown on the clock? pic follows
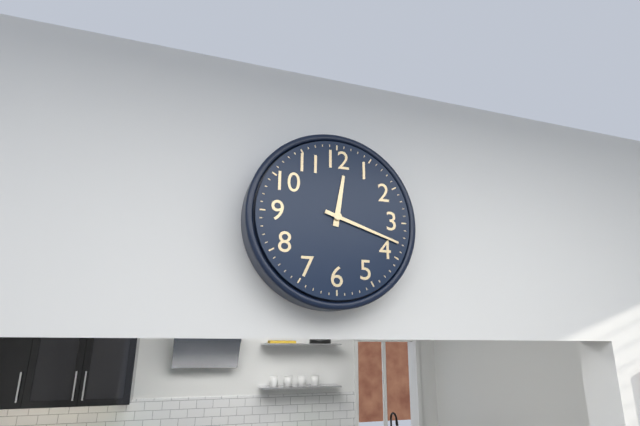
12:18
